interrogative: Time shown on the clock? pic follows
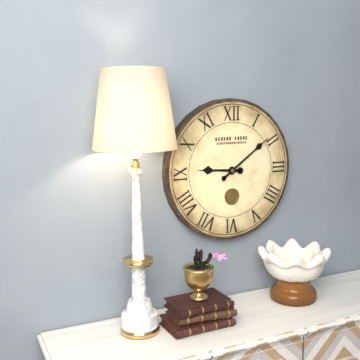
9:09
